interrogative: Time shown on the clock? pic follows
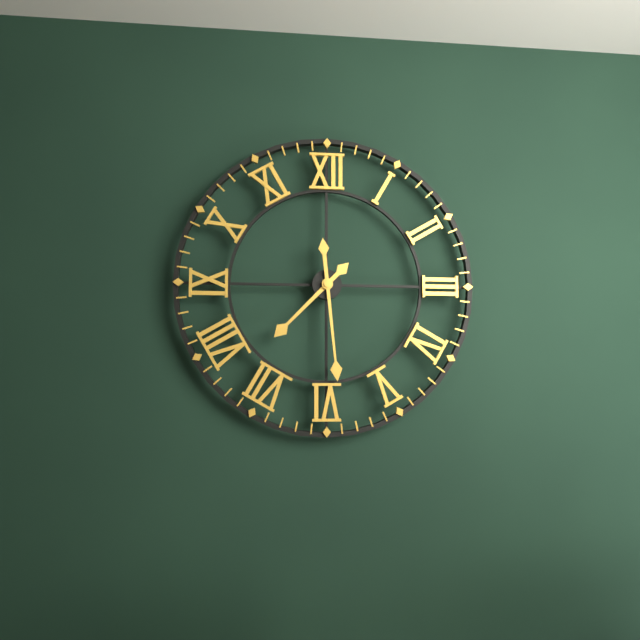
7:29
